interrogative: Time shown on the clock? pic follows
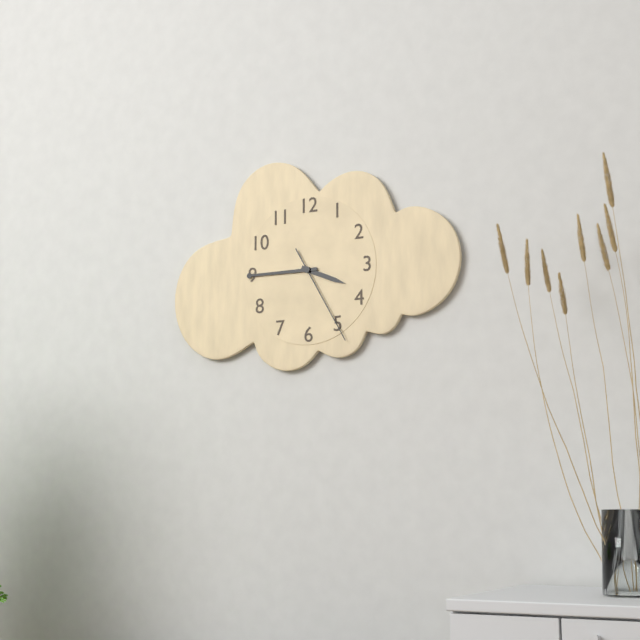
3:45:25
